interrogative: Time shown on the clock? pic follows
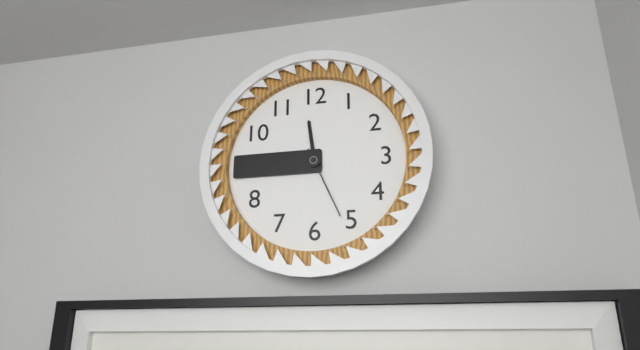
11:45:26
